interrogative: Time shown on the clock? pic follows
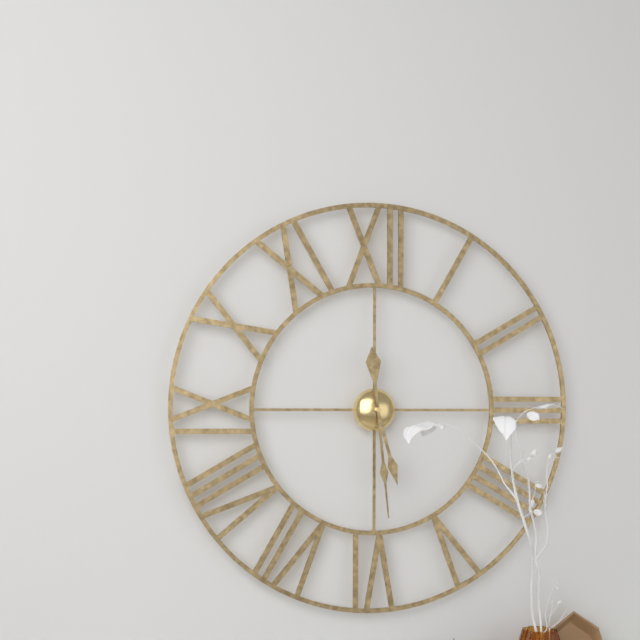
5:29
